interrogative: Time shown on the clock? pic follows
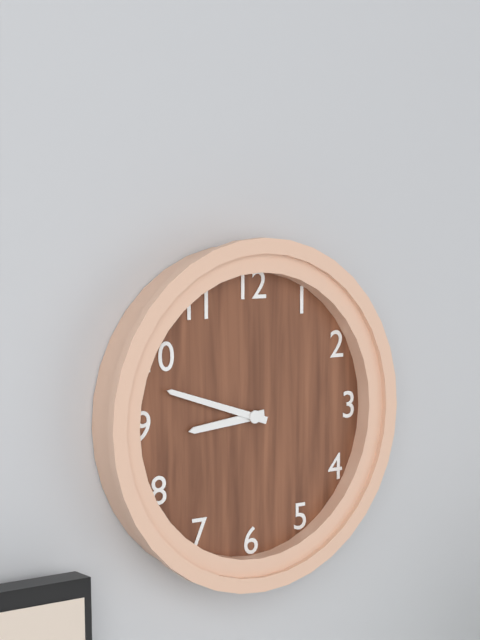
8:48
